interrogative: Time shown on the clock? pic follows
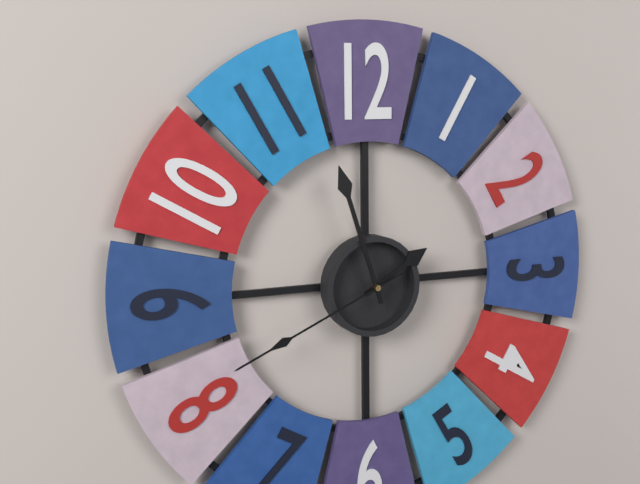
1:57:41
